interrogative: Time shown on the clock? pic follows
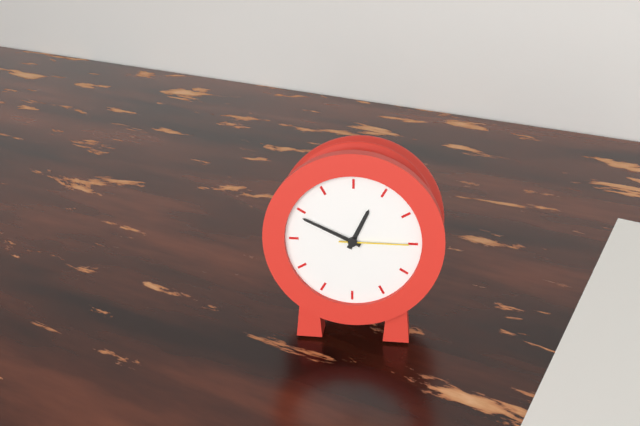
12:49:15
